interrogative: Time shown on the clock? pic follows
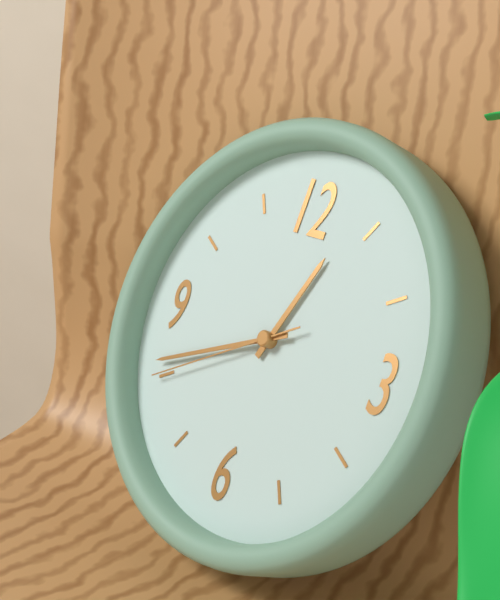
12:41:40
